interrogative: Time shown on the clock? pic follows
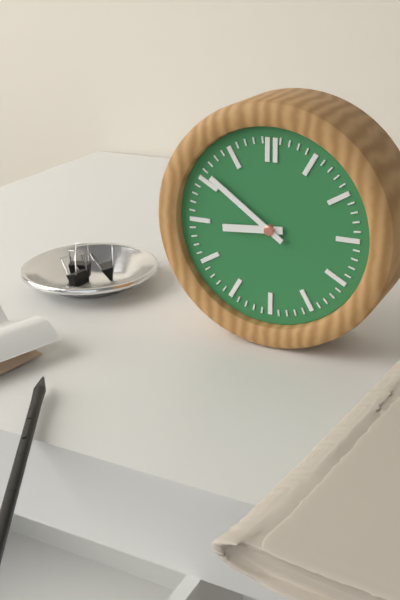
8:51
